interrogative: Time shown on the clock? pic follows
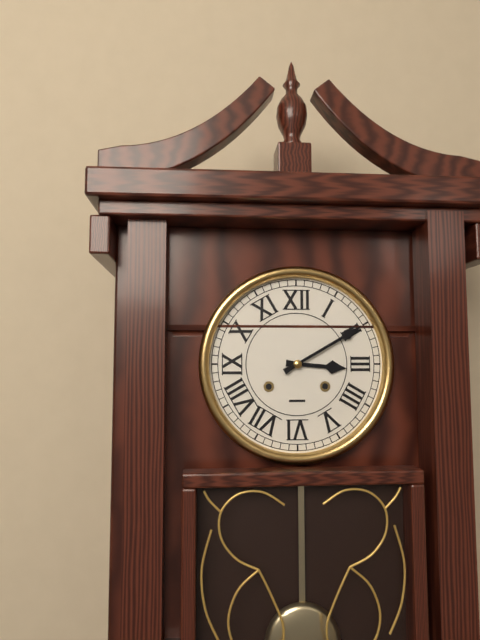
3:10
